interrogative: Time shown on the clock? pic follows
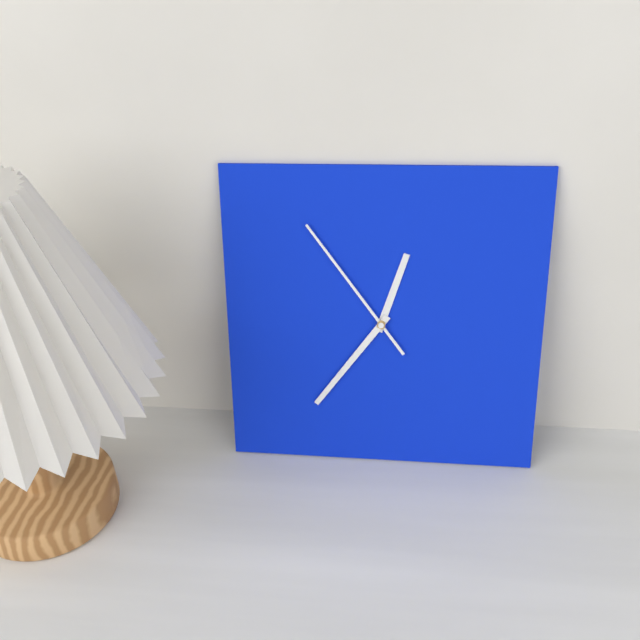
12:36:54
